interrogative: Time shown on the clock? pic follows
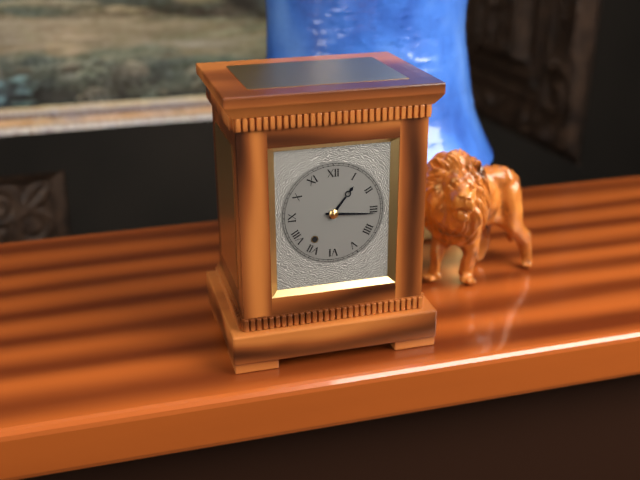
1:16
